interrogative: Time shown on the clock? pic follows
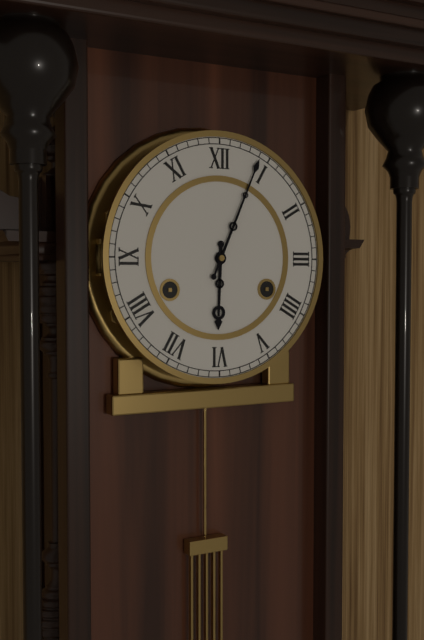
6:04
